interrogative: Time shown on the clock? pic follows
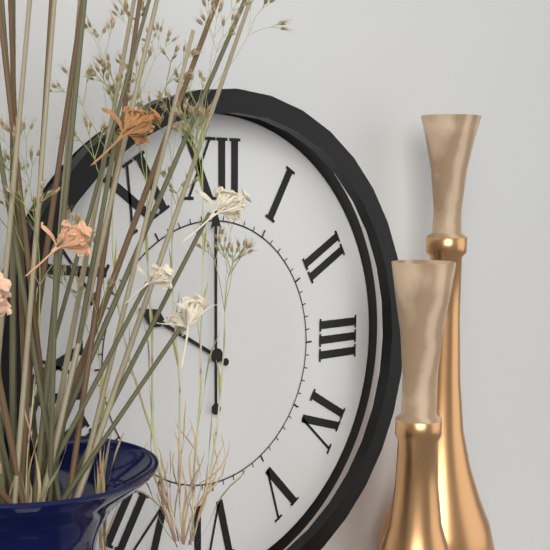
10:00
